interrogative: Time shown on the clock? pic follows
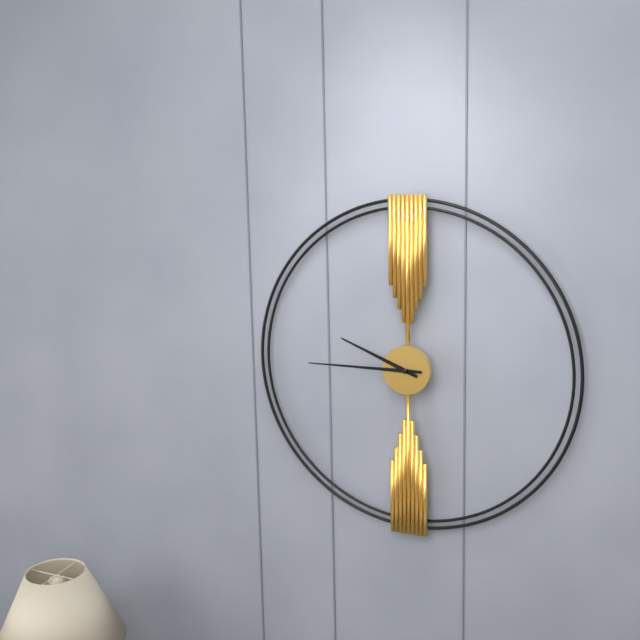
9:45
